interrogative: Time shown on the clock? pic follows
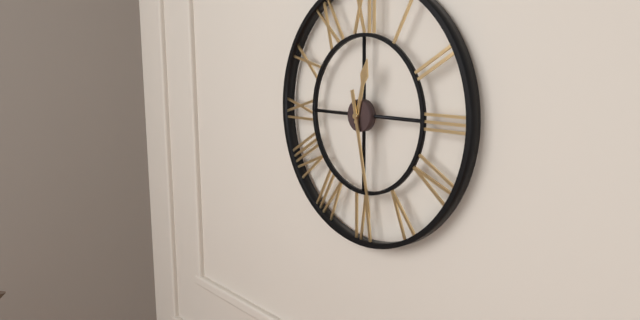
12:28
